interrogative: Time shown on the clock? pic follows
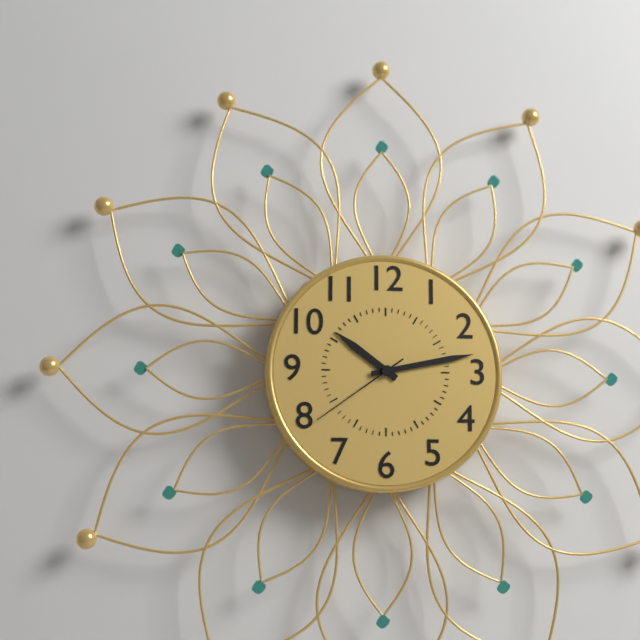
10:13:39
